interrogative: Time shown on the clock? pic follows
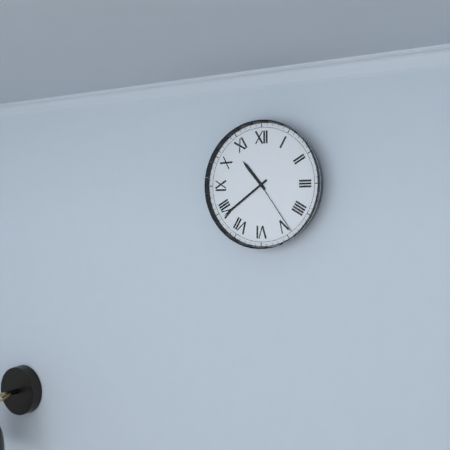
10:39:24
